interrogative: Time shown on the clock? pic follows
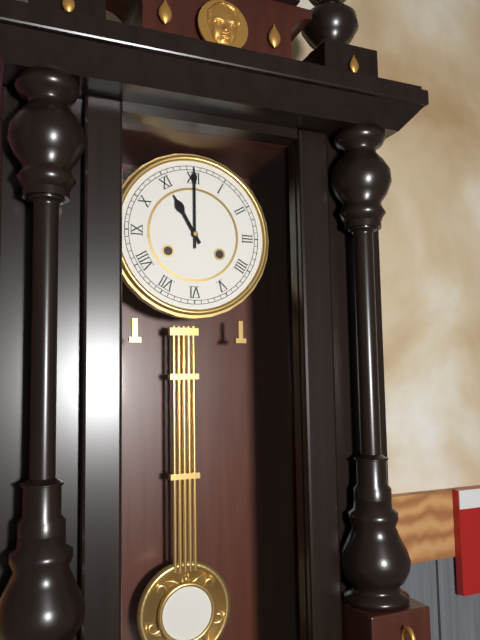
11:00
